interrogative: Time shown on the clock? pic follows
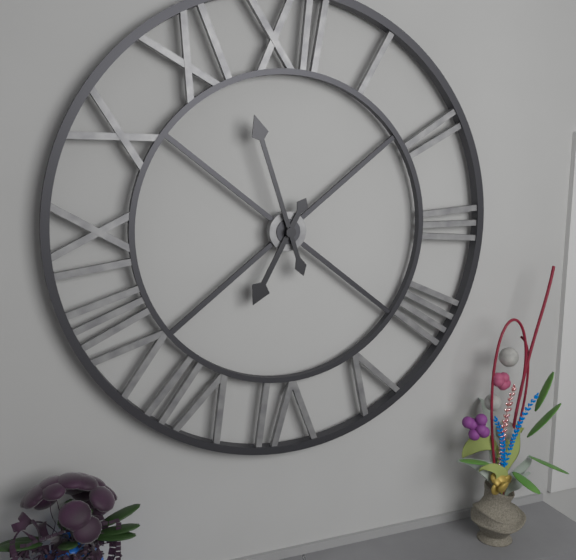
6:57
